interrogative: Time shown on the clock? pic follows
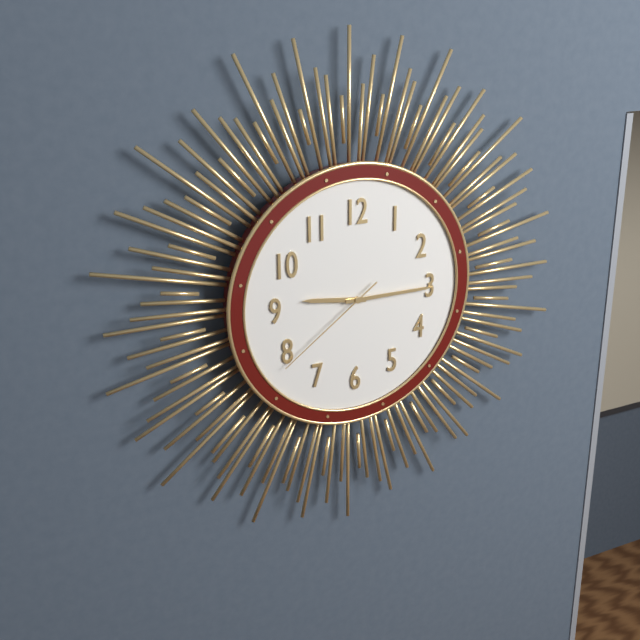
9:15:39
